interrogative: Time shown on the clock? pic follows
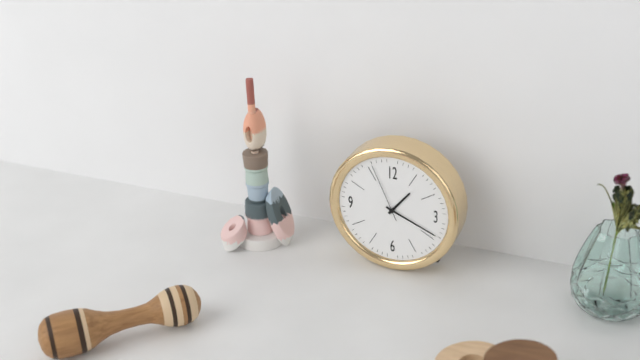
1:19:56
